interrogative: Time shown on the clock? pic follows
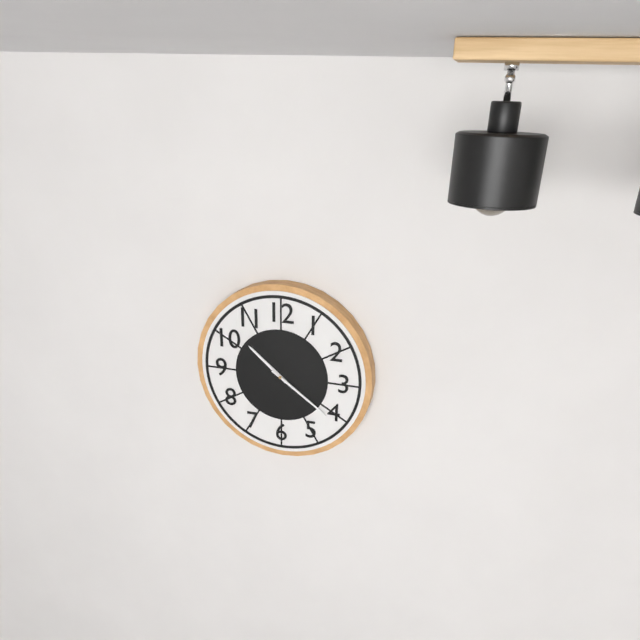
10:21
